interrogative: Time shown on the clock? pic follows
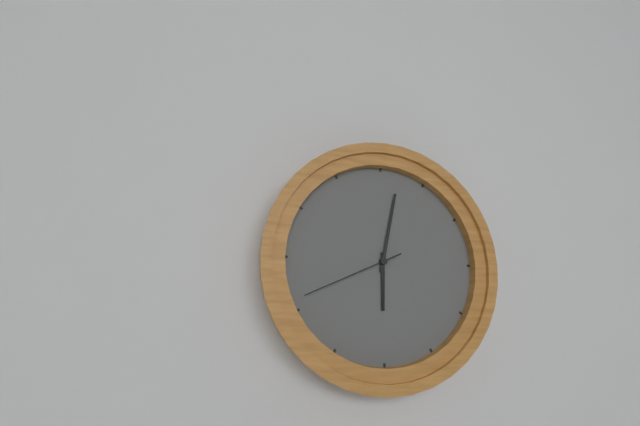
6:02:41
